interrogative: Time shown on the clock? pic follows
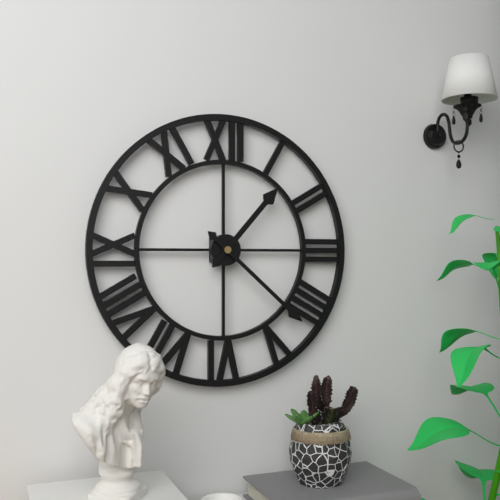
1:22
